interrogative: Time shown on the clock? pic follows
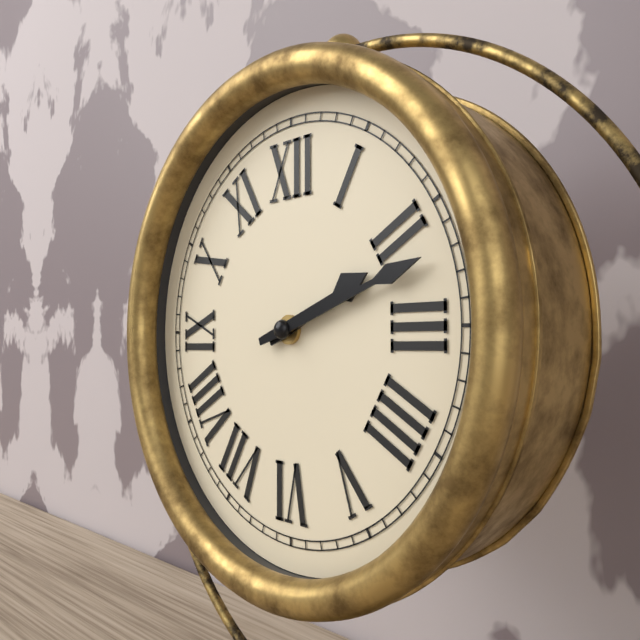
2:12
